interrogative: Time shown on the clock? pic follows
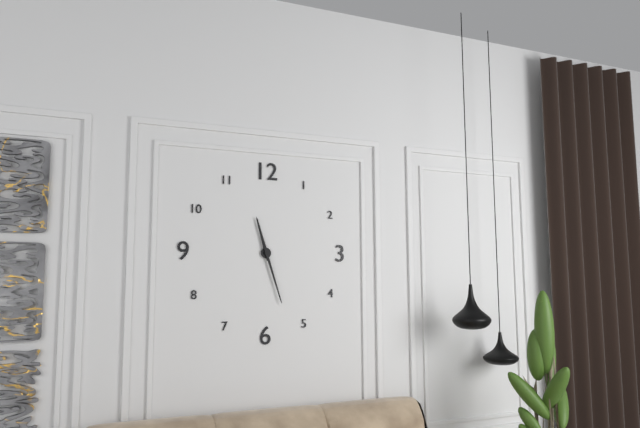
11:27
